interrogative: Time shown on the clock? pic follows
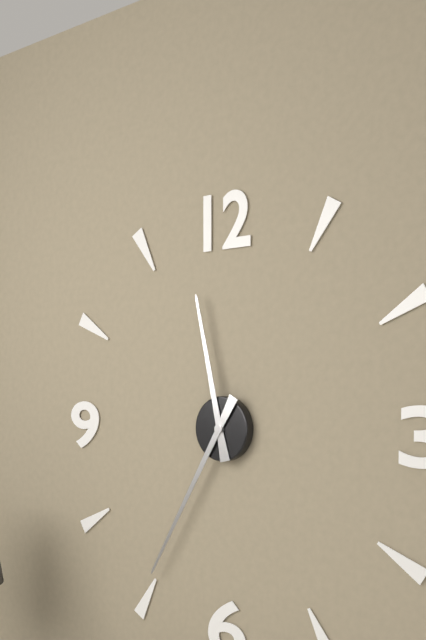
11:35
